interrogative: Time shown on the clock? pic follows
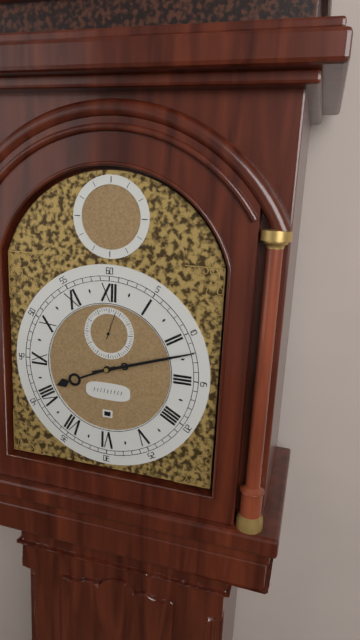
8:12
